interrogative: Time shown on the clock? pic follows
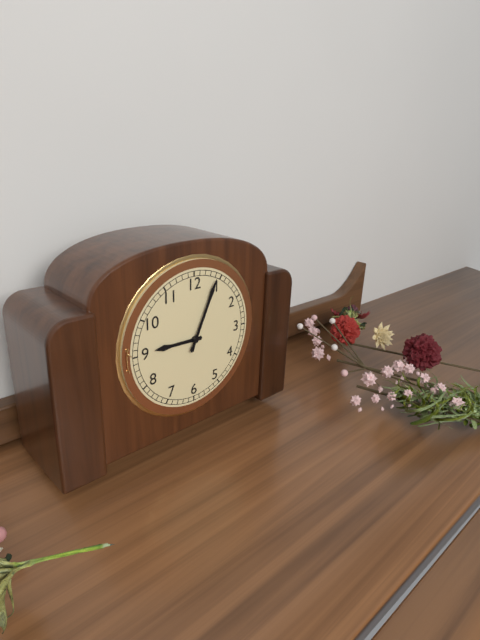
9:04
